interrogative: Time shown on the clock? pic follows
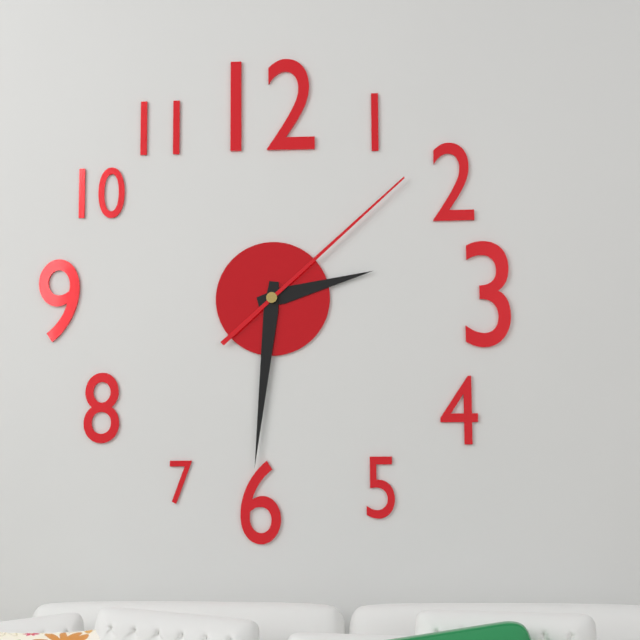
2:31:08
